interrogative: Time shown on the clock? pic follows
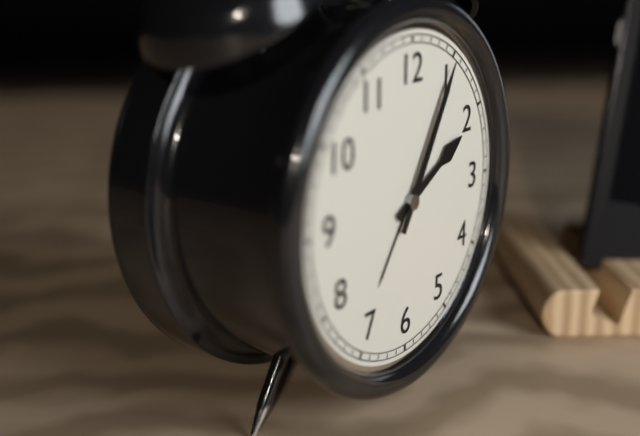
2:05
